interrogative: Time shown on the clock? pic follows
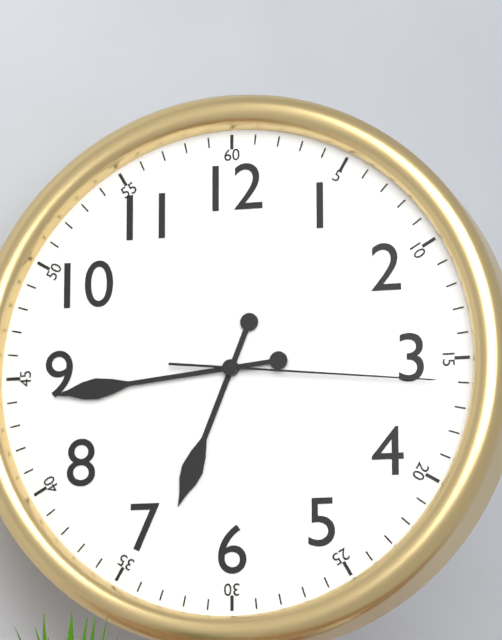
6:44:16
